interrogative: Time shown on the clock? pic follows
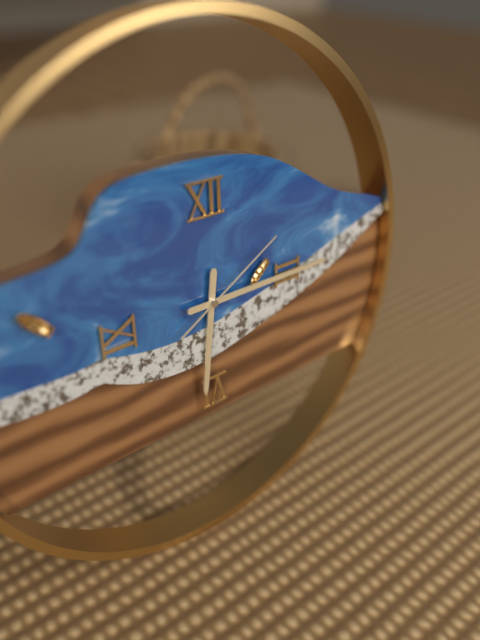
6:15:10
